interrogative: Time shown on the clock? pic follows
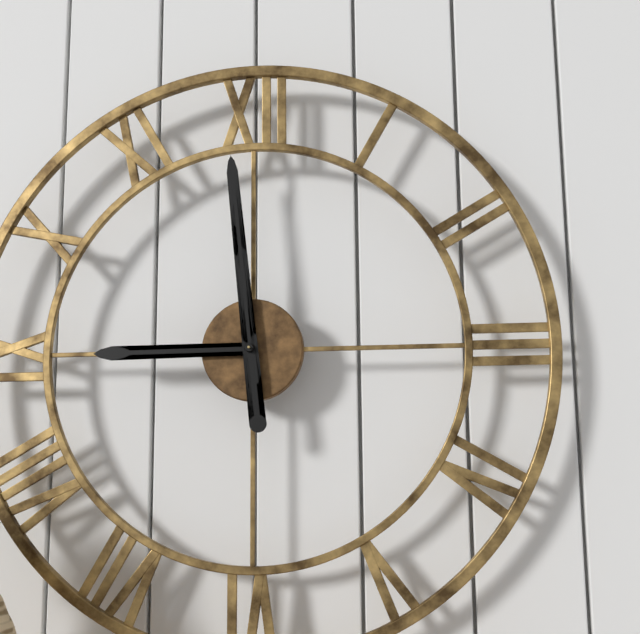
8:59
